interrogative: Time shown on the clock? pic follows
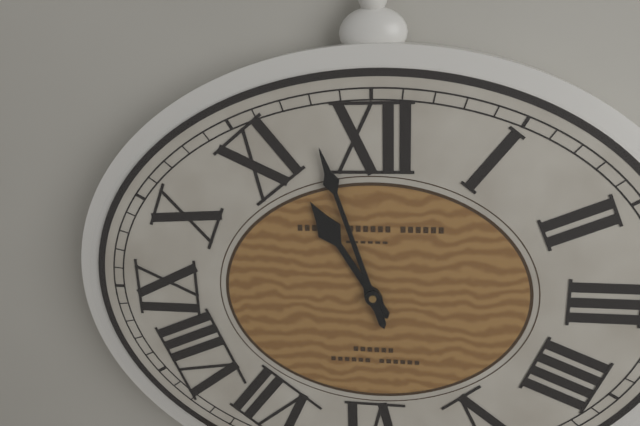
10:57
